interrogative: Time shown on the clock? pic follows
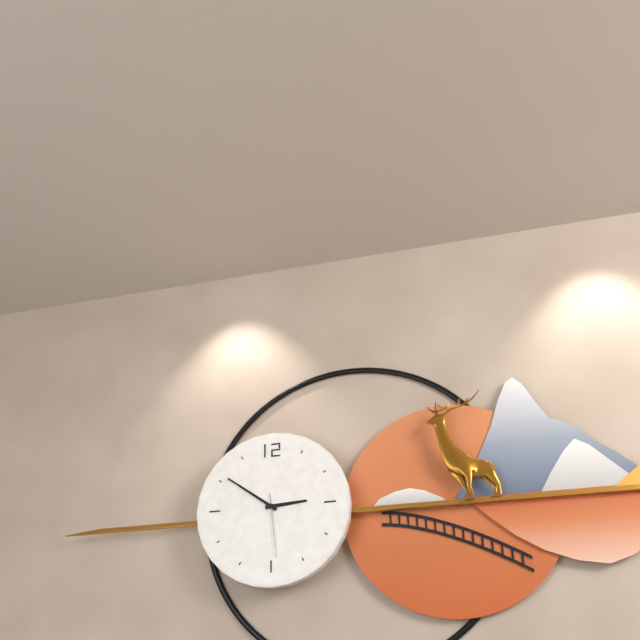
2:51:29
